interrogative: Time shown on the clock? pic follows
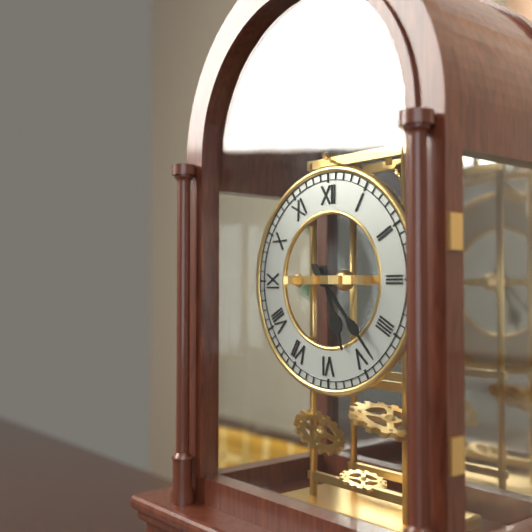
5:23
